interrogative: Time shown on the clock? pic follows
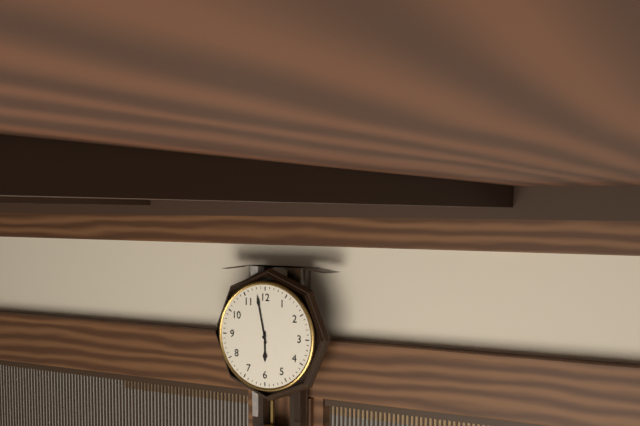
5:58
